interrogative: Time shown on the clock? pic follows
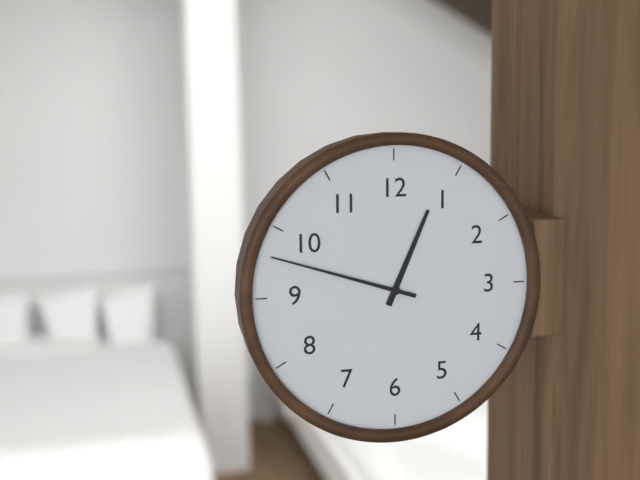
12:48
